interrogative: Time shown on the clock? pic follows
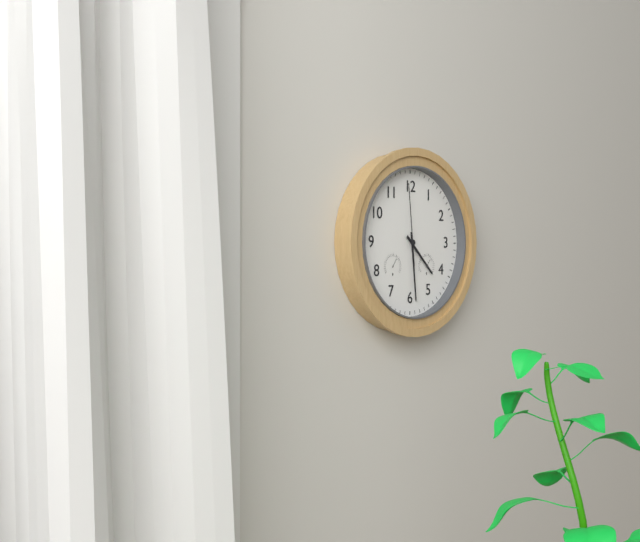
4:29:59
